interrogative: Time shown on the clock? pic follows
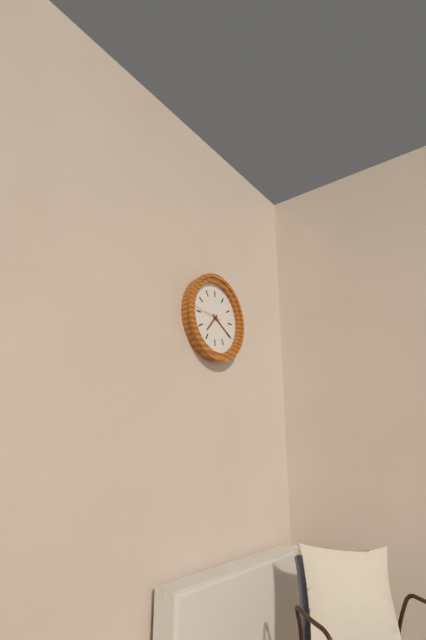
7:20
